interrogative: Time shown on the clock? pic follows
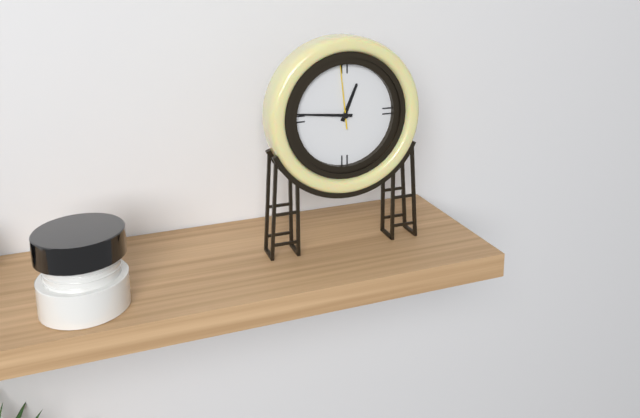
12:46:59
